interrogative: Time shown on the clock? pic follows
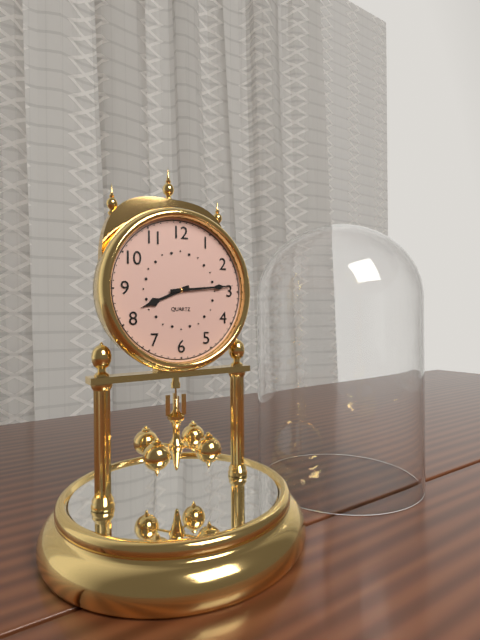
8:14
